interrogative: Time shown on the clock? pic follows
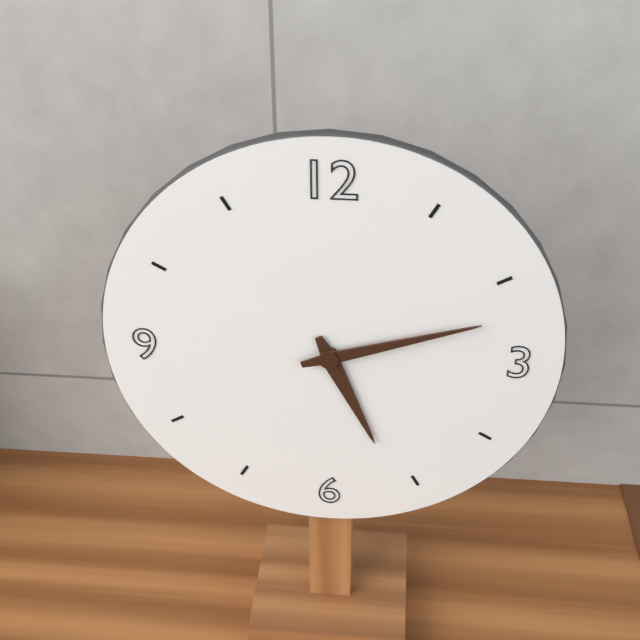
5:12
